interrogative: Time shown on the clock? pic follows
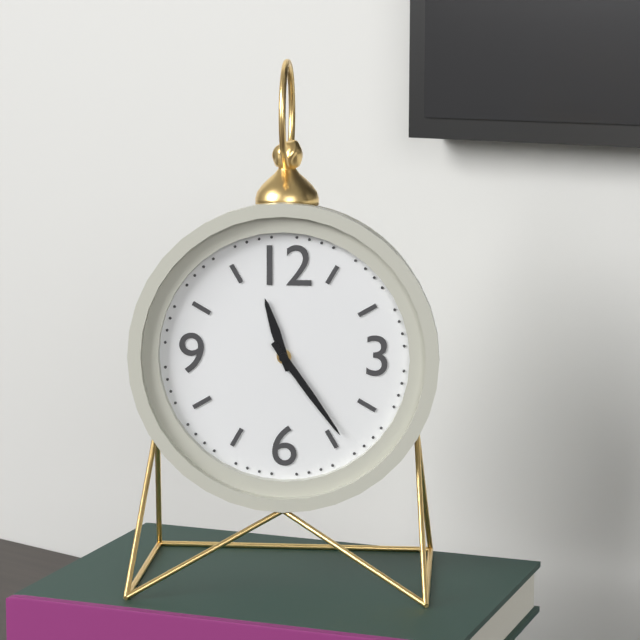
11:24
